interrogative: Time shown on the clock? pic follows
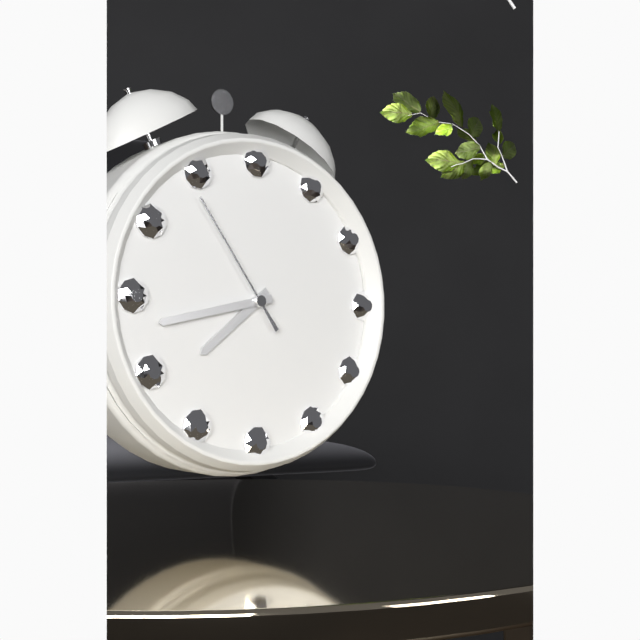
7:43:54
